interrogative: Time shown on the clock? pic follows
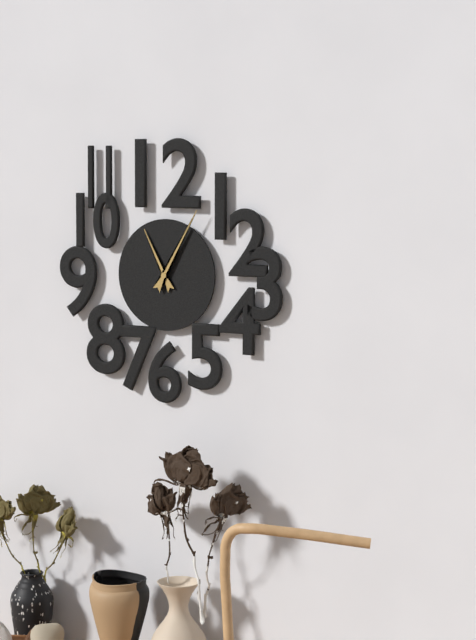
11:05
